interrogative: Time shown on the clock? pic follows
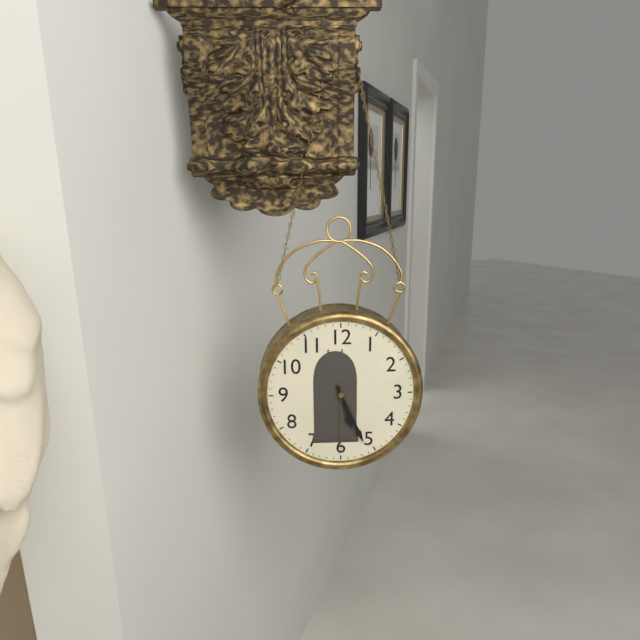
5:26:30
